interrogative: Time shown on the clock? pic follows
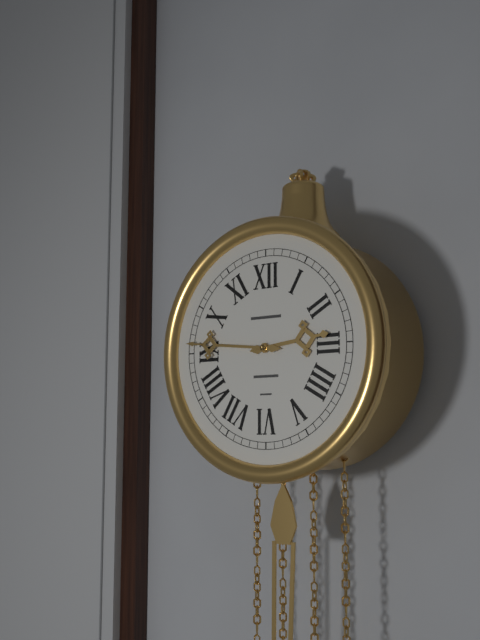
2:46
